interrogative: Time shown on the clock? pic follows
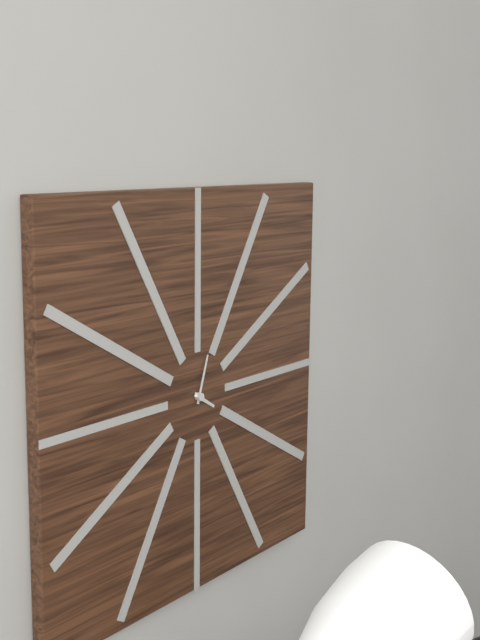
4:03
